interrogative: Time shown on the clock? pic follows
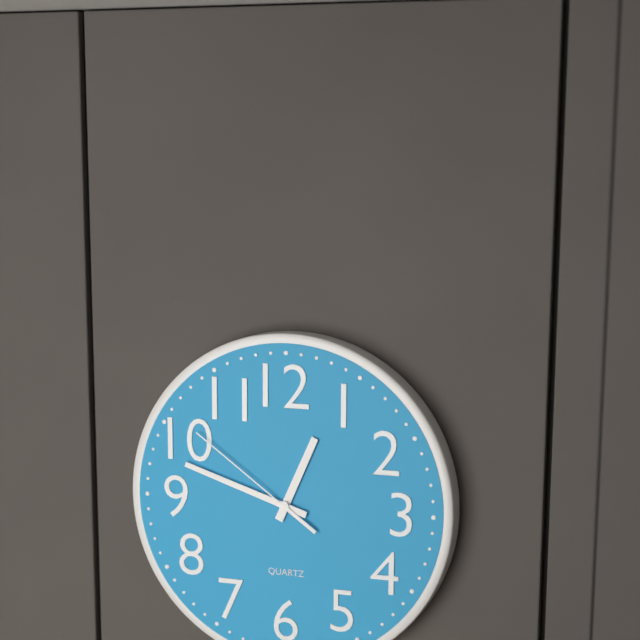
12:48:51
